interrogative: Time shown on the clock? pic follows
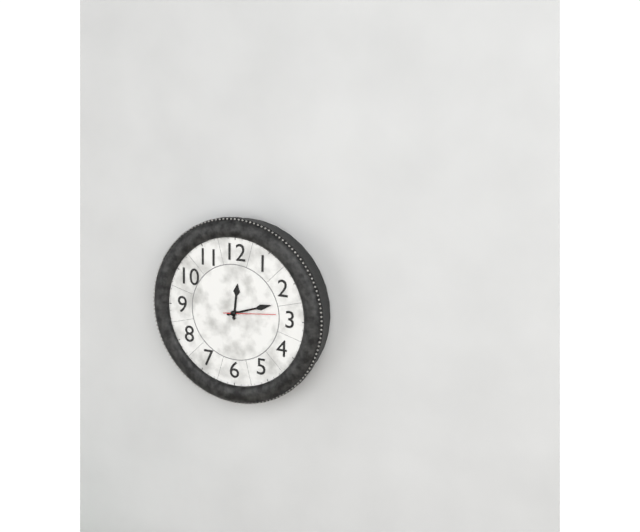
12:12:14
